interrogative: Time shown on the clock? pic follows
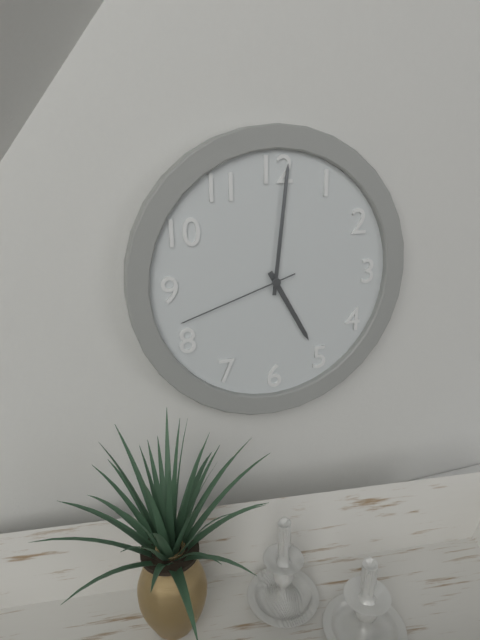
5:01:42
